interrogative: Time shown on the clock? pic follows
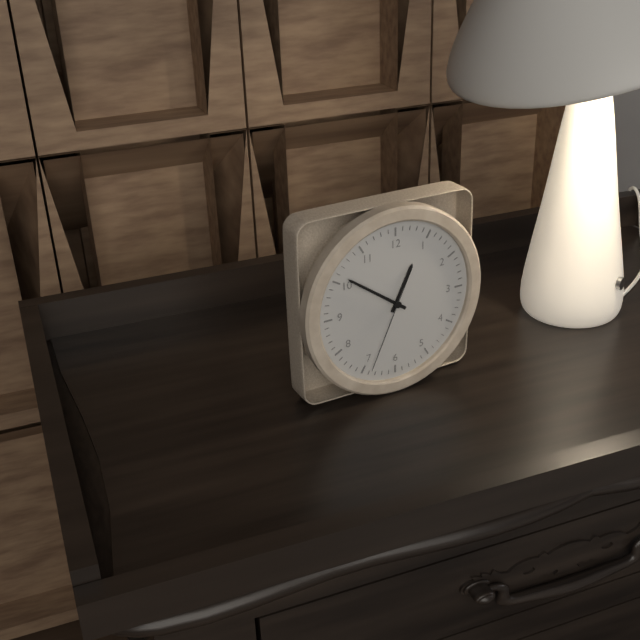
12:51:34
